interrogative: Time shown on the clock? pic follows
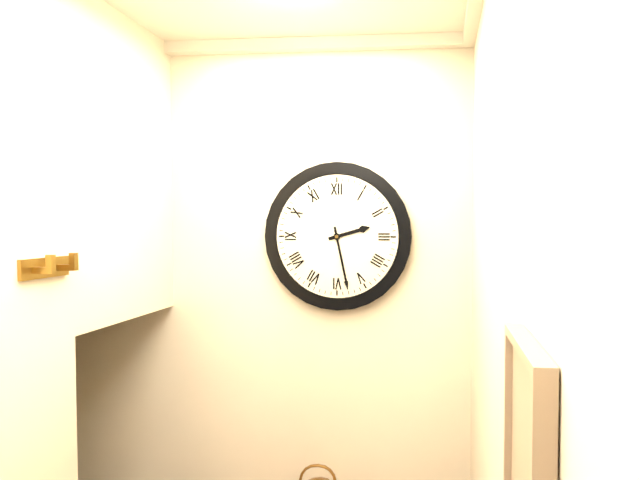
2:28
